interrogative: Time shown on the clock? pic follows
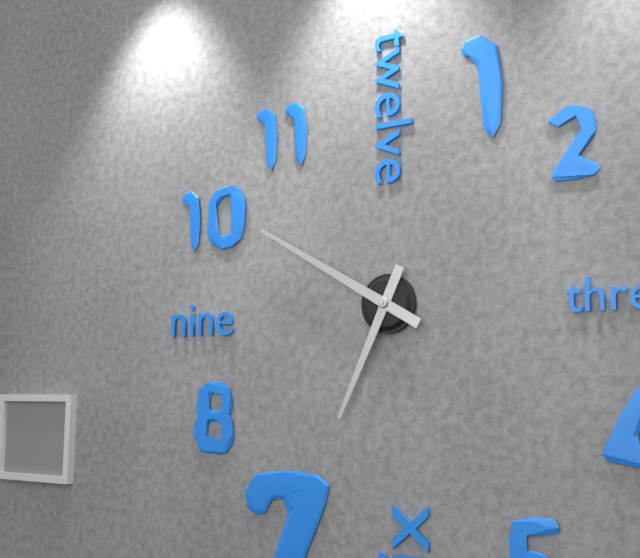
6:50
